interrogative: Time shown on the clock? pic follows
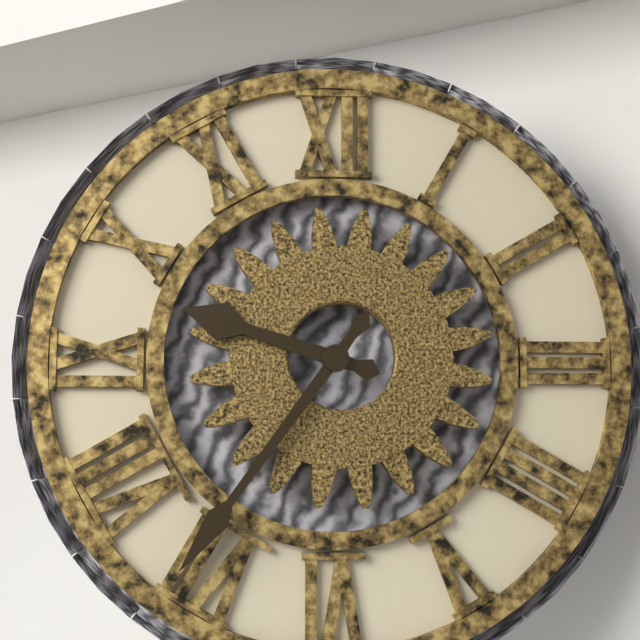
9:36
